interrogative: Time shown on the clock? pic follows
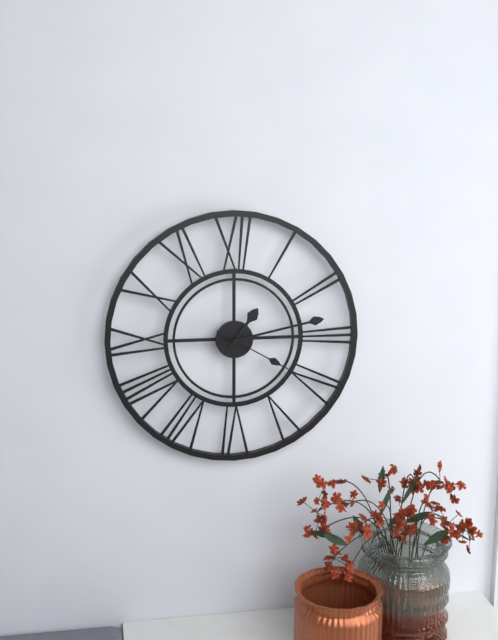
1:13:20
